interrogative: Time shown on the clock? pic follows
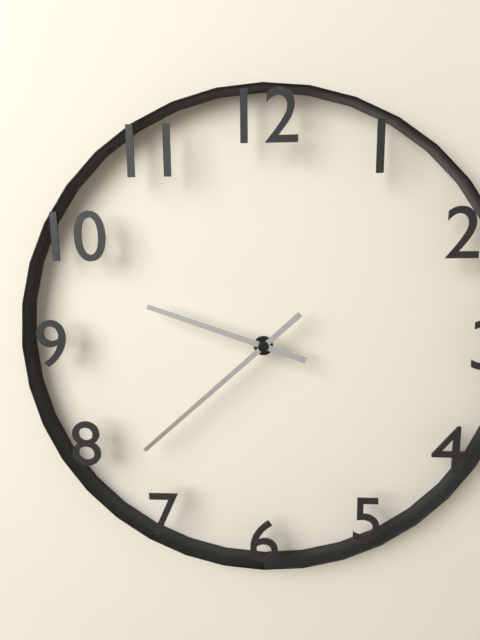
9:38
